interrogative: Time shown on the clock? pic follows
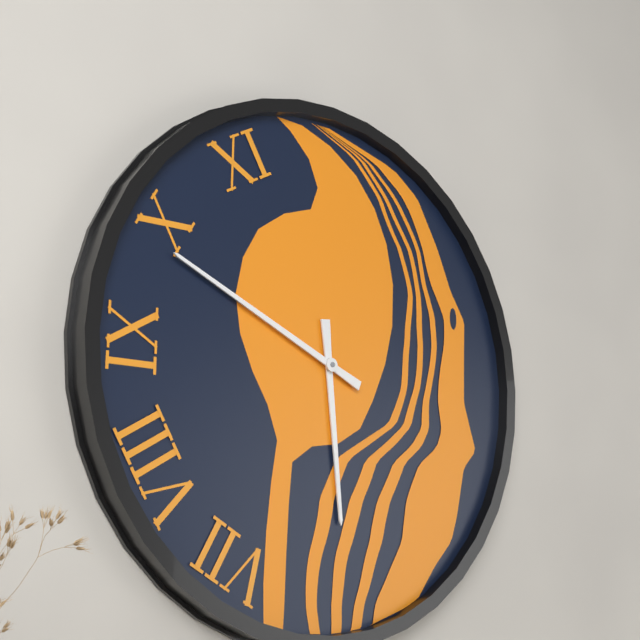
5:49
